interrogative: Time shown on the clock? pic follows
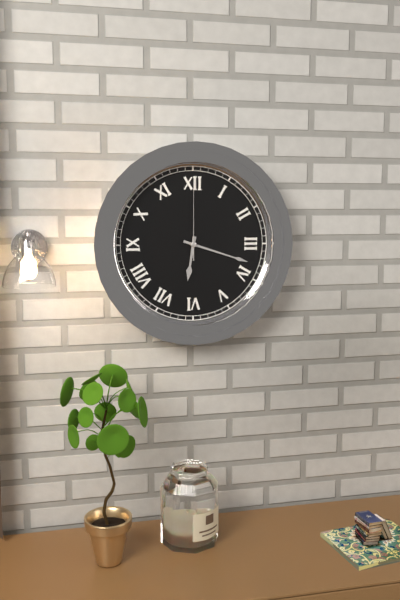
6:18:00
